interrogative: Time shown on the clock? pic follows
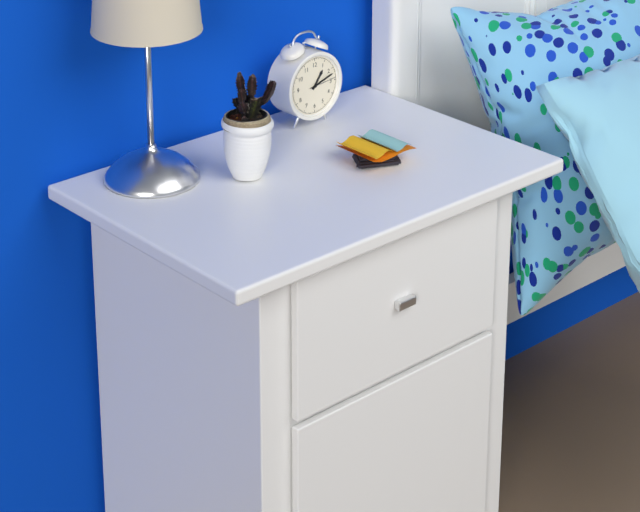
1:12
